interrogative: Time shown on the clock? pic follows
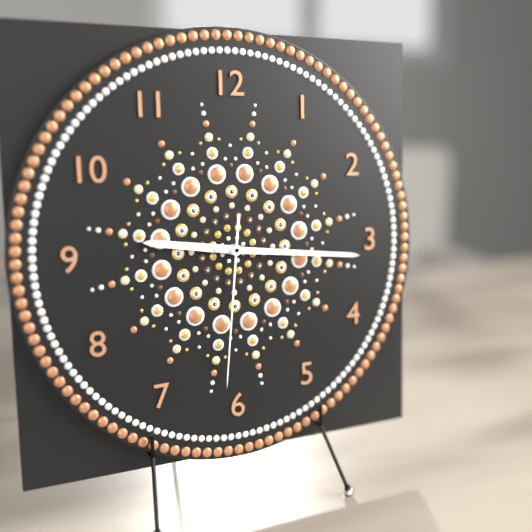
9:16:31
